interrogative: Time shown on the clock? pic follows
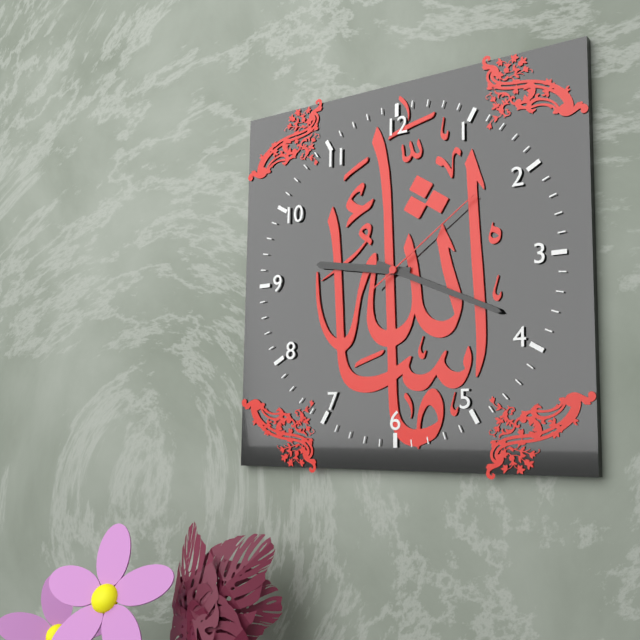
9:19:09
